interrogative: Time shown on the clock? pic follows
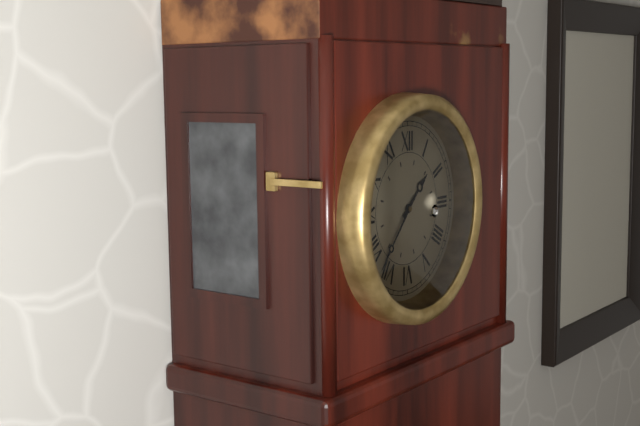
1:37
